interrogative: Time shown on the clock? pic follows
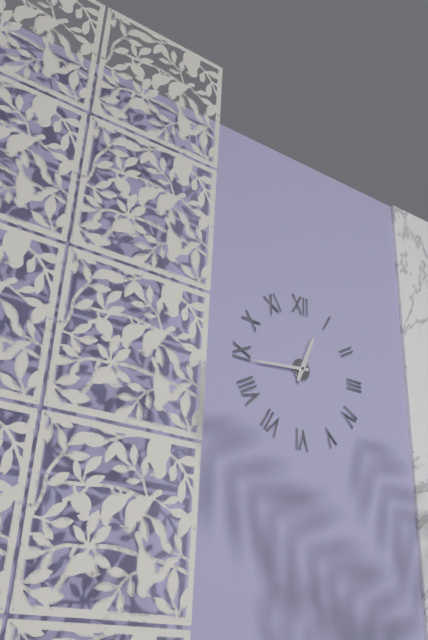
12:44
